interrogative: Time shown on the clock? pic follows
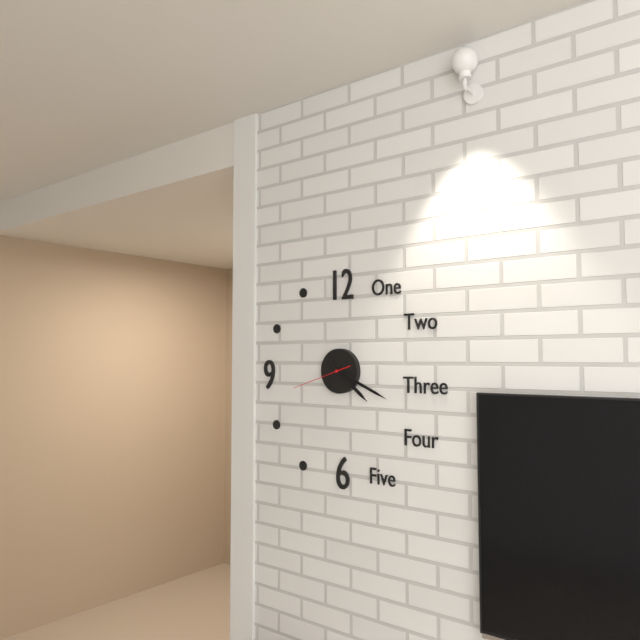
4:19:42
